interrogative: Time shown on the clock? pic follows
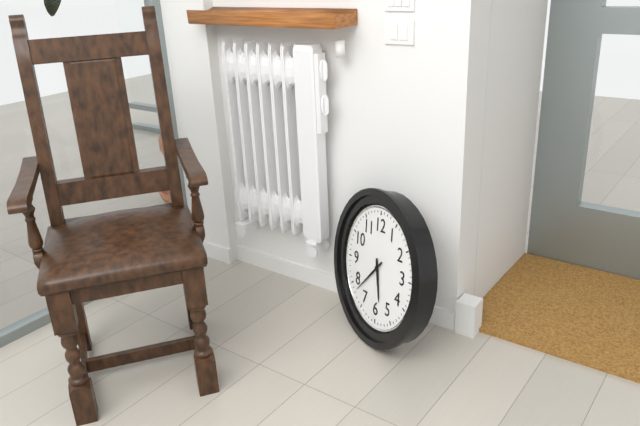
5:38
